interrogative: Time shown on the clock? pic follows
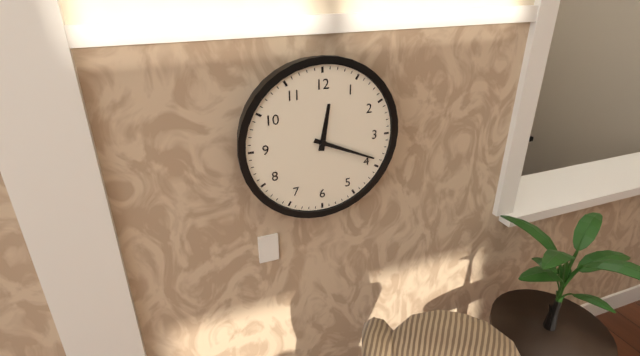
12:19
